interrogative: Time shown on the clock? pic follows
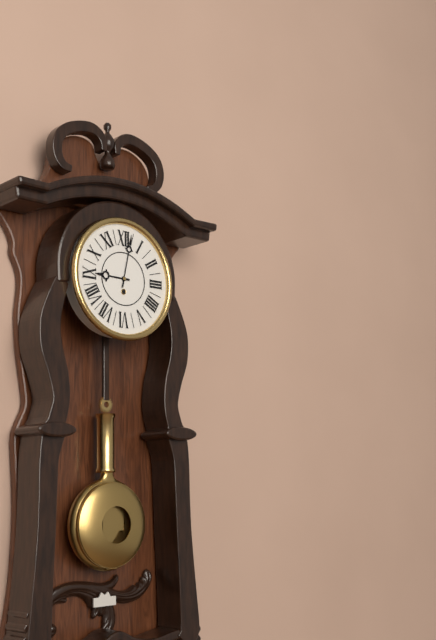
9:02
